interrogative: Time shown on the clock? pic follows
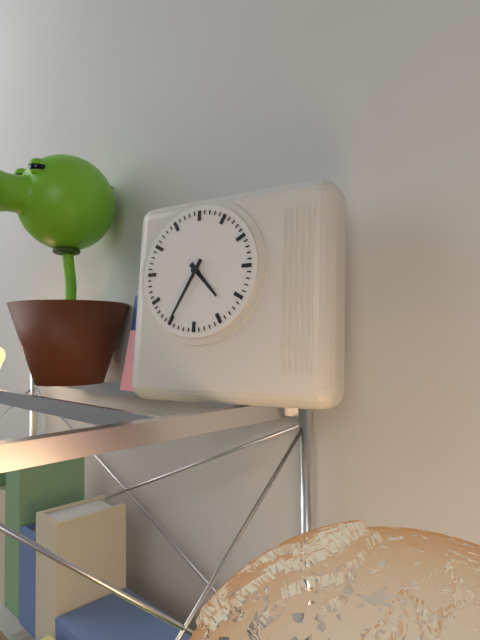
4:35
